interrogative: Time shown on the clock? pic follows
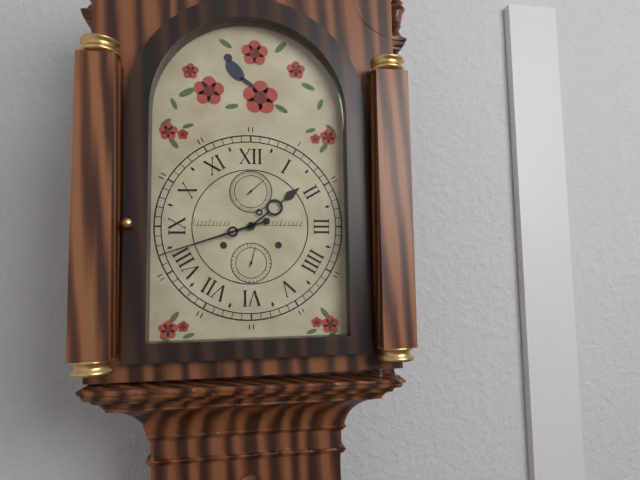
1:42
